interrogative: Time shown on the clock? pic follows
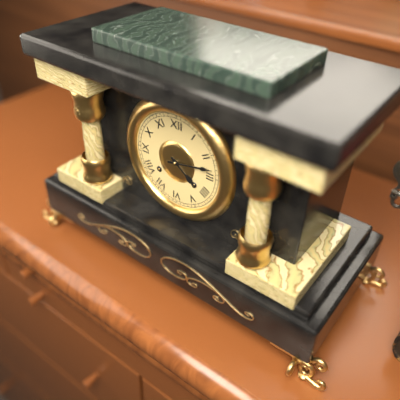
4:13
